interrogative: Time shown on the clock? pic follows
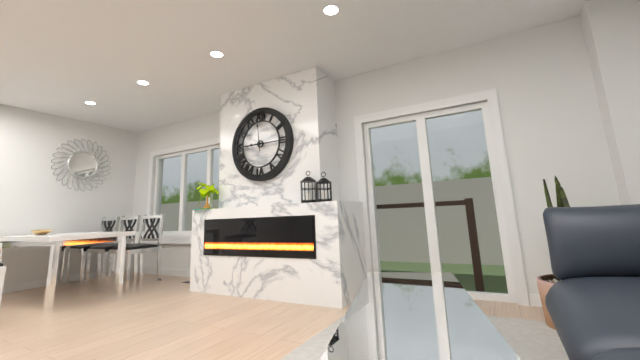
8:59
